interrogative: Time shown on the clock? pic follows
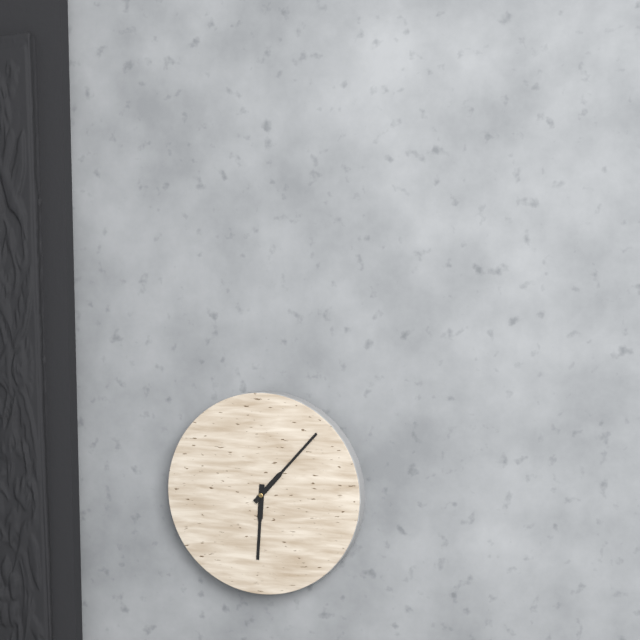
6:07
